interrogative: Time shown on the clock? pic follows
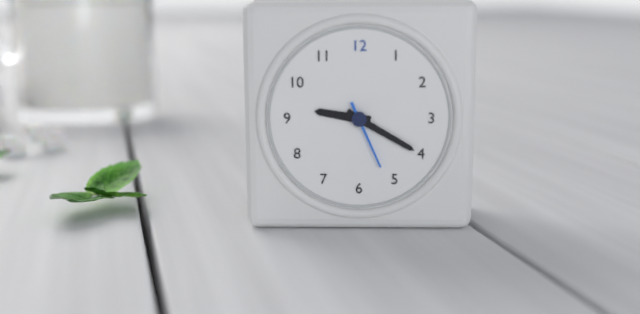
9:20:26
